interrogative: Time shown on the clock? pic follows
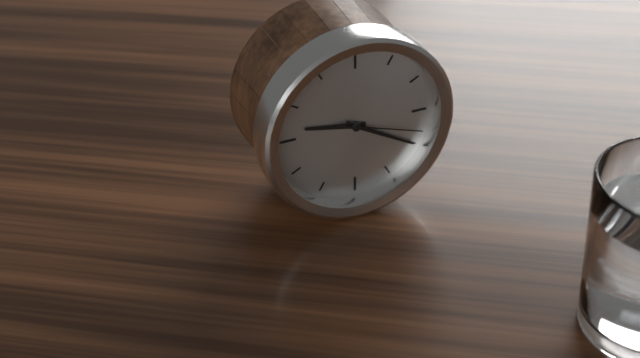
9:20:18
